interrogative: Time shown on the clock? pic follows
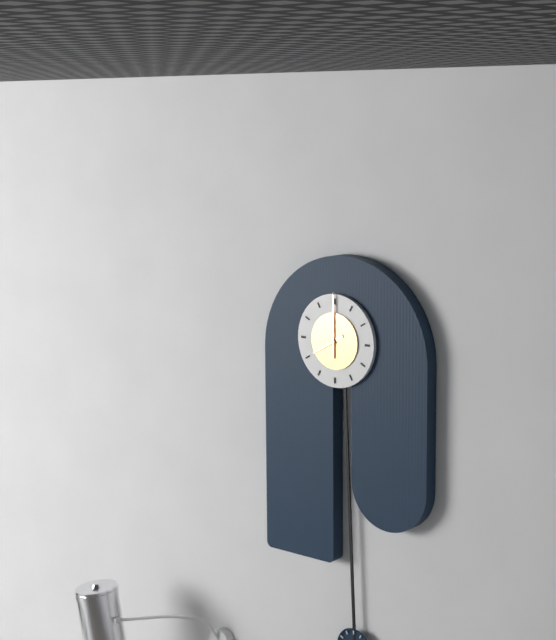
8:00
